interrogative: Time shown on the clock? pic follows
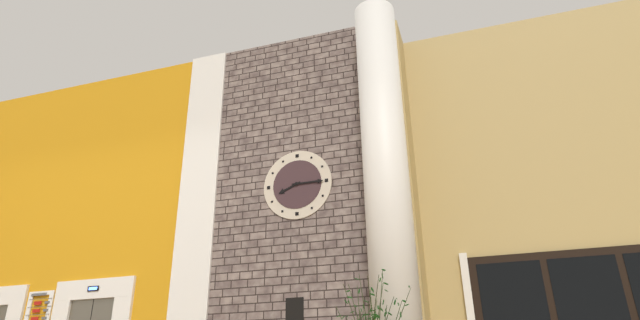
8:15
